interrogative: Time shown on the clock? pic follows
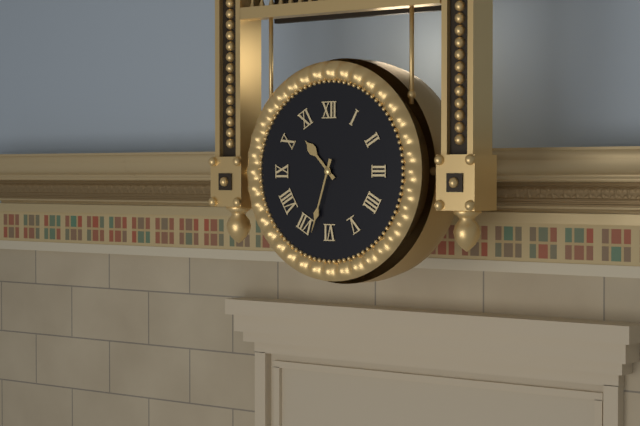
10:33
